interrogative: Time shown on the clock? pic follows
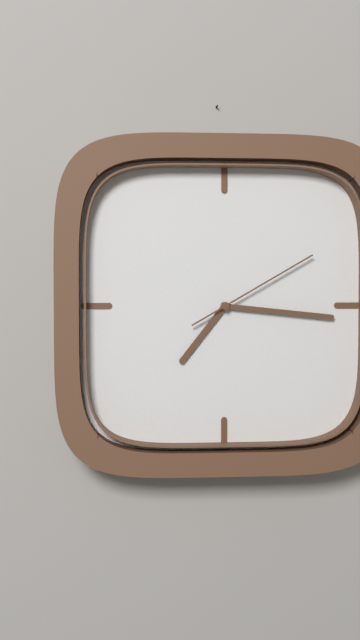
7:16:10
